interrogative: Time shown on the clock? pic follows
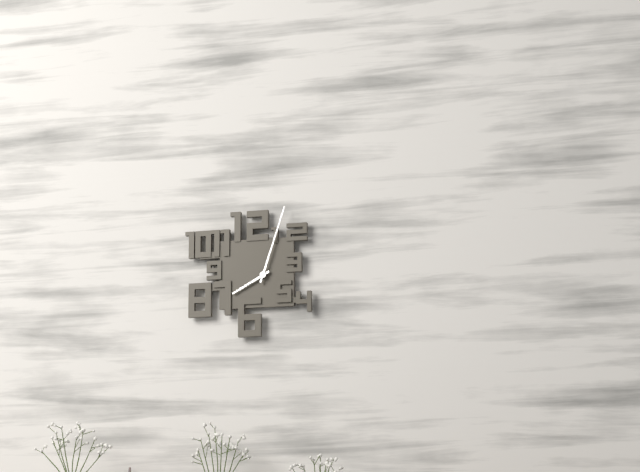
8:03
